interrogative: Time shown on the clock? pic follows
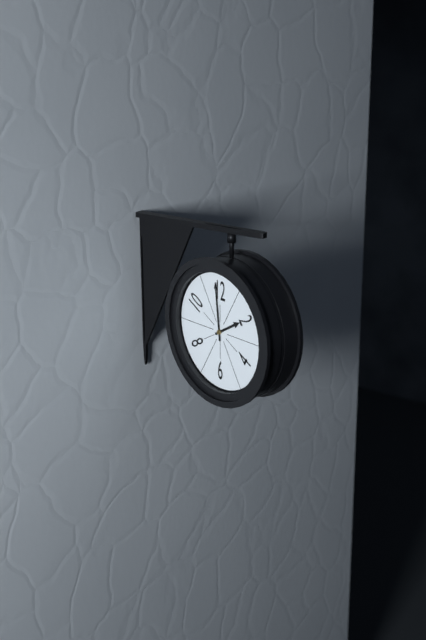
1:59
